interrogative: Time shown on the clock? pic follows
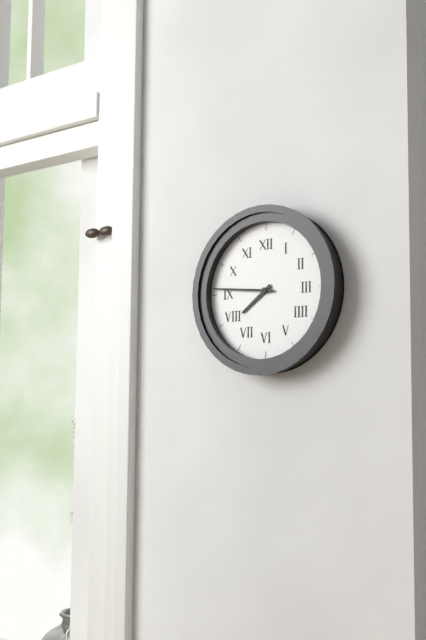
7:46
